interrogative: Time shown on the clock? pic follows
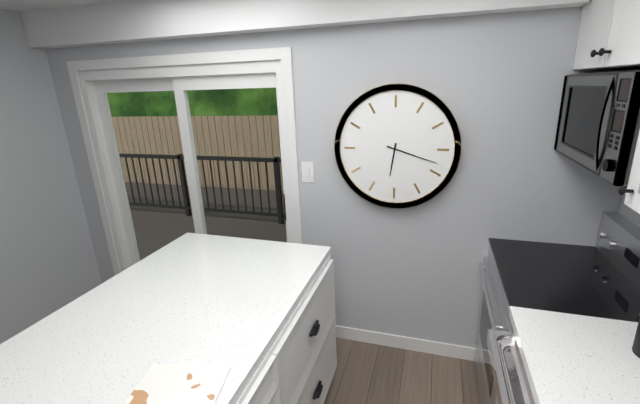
6:18
